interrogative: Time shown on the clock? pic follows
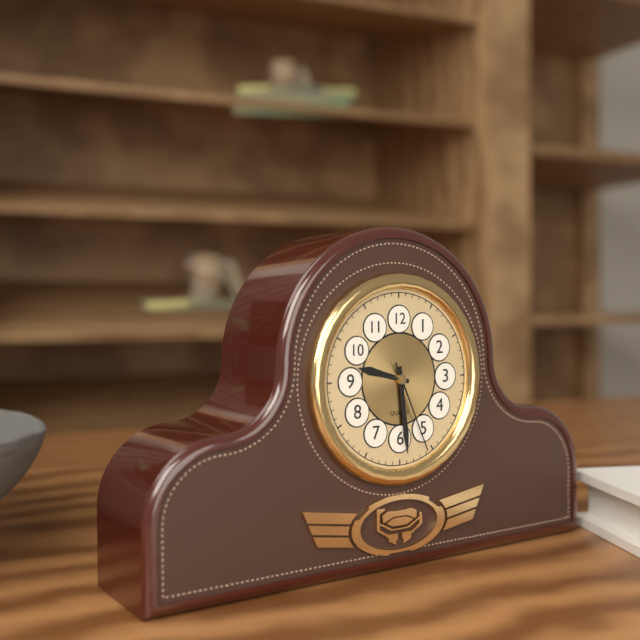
9:29:26
